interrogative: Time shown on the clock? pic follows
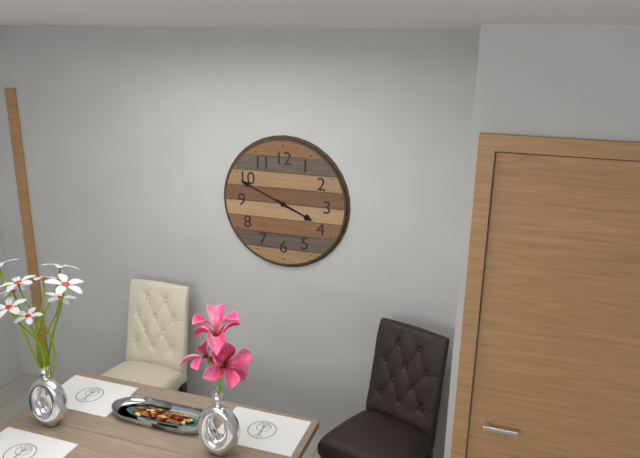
3:49
